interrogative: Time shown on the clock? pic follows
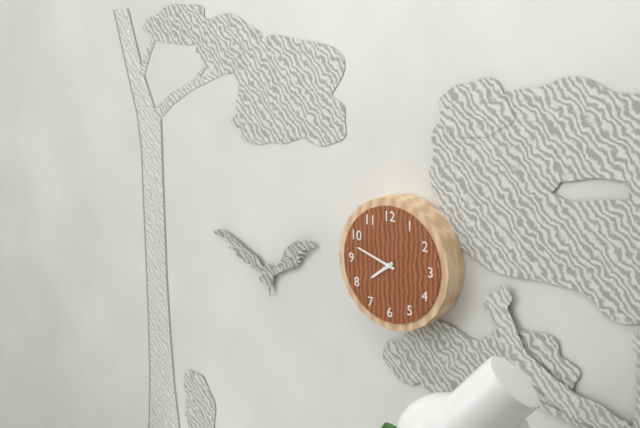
7:48
